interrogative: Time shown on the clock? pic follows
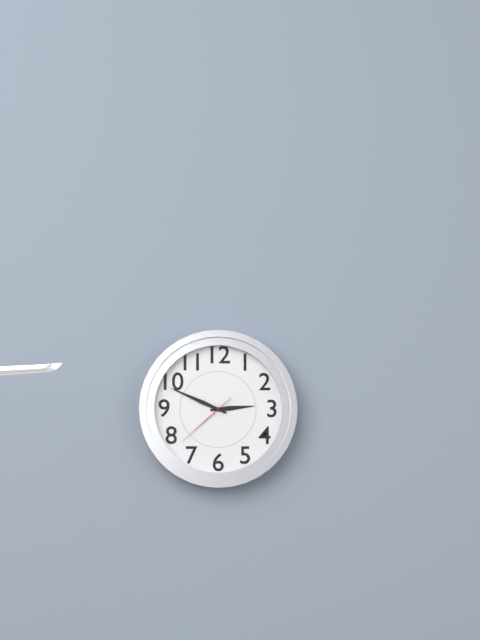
2:49:38
